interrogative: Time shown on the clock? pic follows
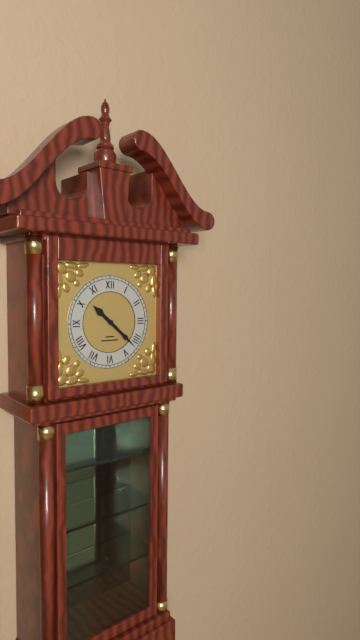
10:22
